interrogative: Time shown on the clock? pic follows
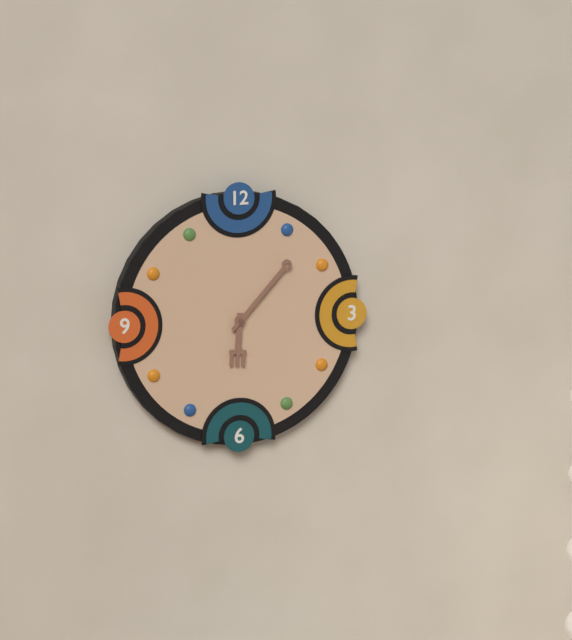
6:07
